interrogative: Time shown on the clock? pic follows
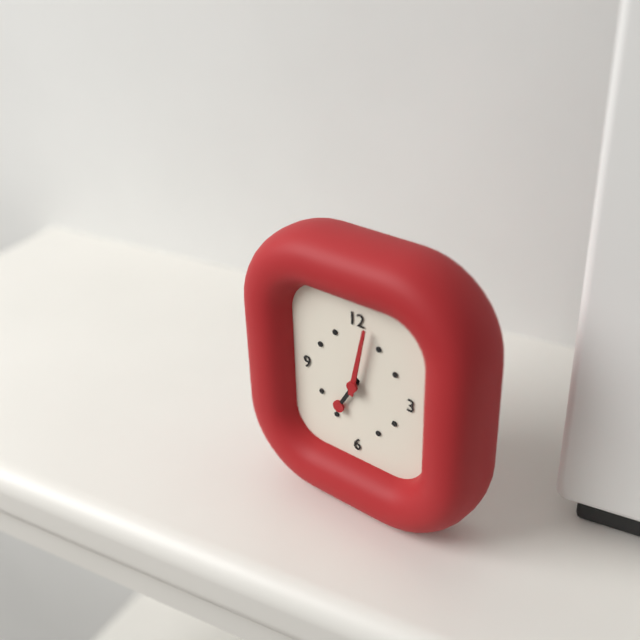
7:02
